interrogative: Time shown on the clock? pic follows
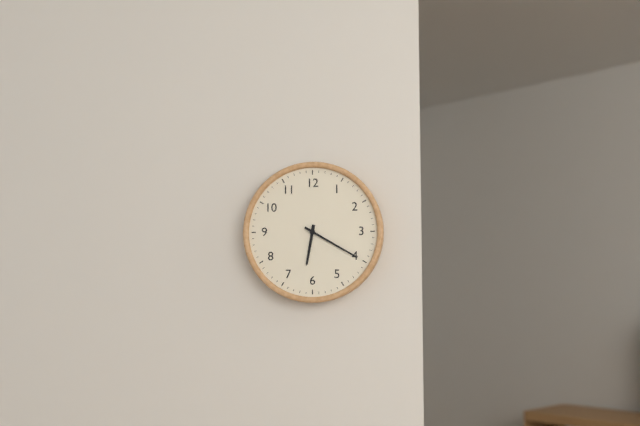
6:20
